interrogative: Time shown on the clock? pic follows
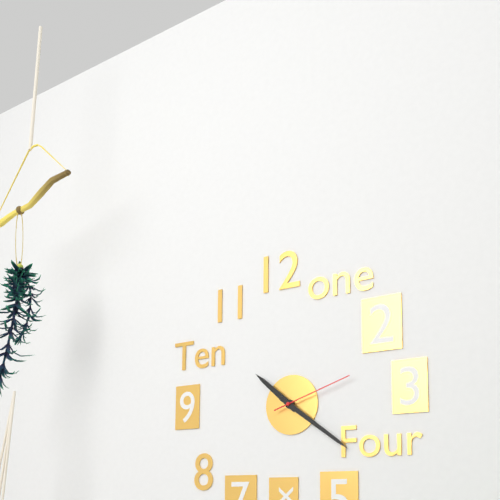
10:21:12
